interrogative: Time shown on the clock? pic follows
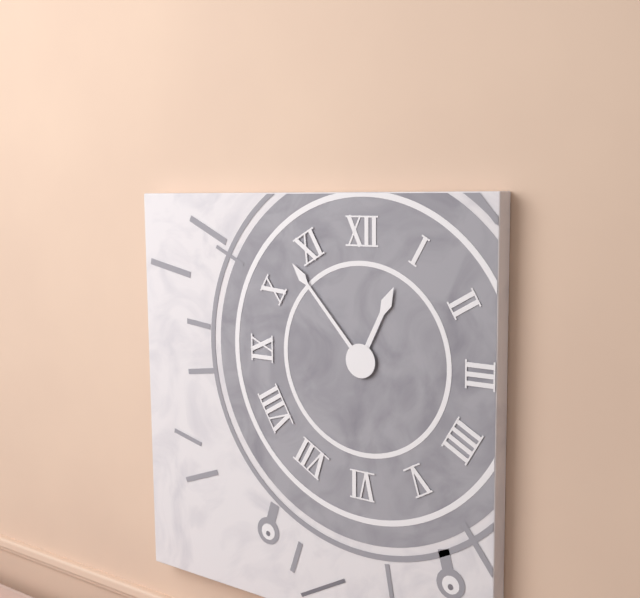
12:53
